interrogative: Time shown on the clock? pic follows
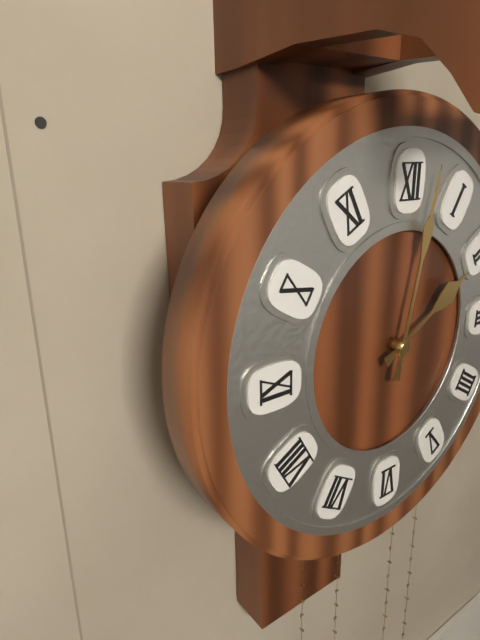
2:02
